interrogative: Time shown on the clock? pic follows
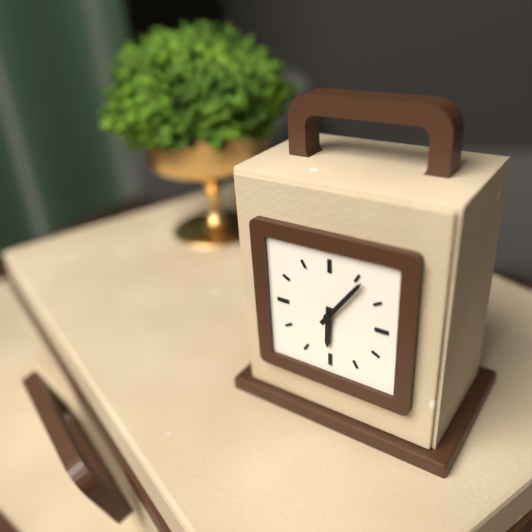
6:06
